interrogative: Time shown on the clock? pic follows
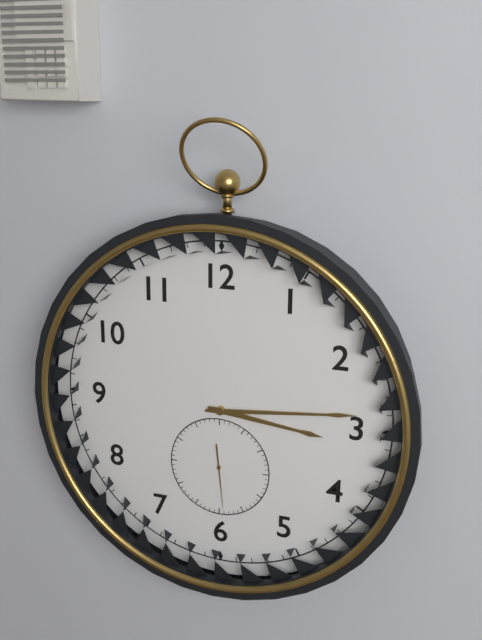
3:14:29
